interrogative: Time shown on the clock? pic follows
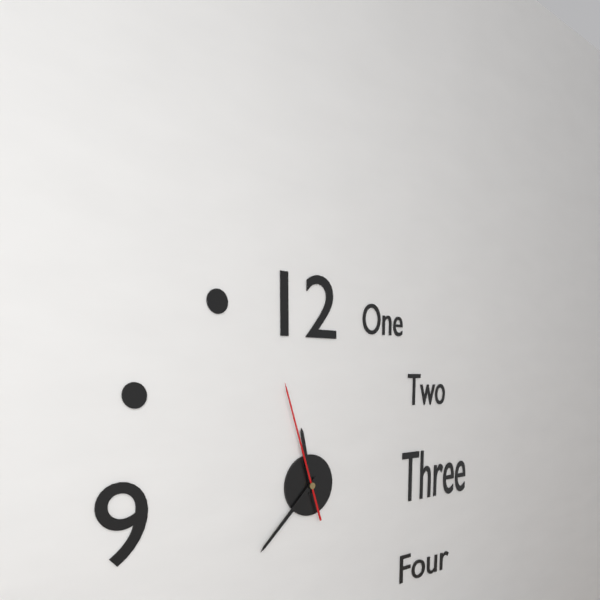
11:38:57
